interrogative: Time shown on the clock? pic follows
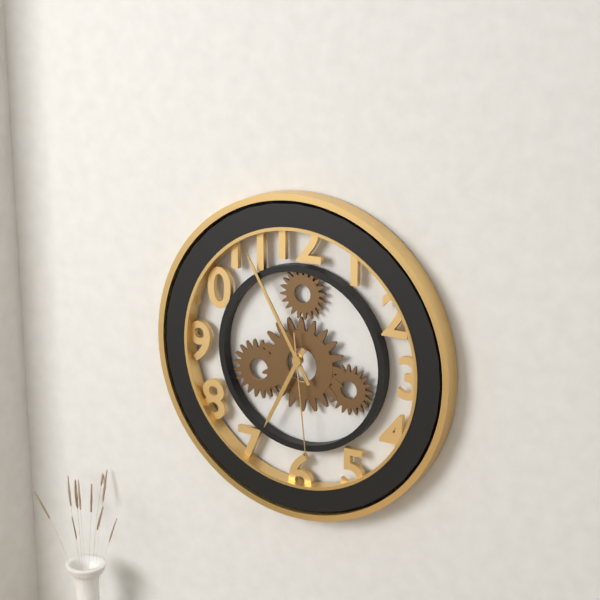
6:55:29
